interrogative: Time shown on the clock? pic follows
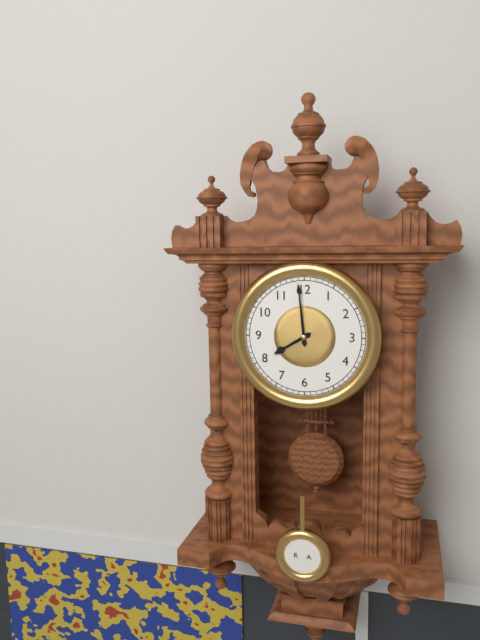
7:59
